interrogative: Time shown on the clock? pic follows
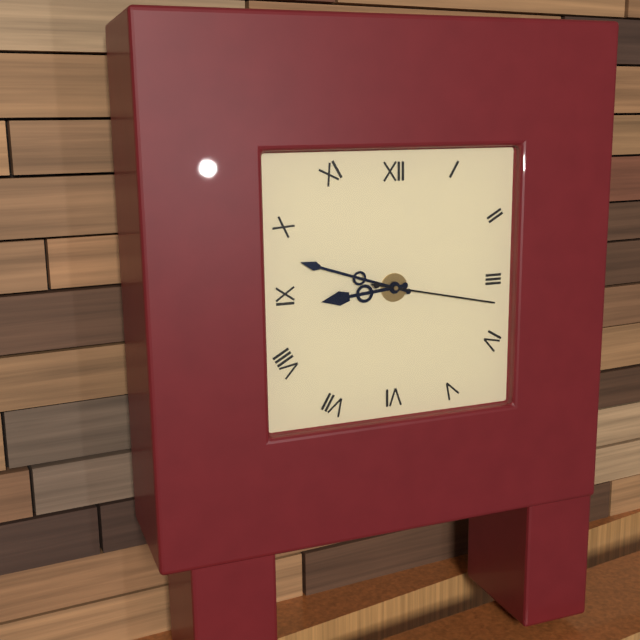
8:48:17
